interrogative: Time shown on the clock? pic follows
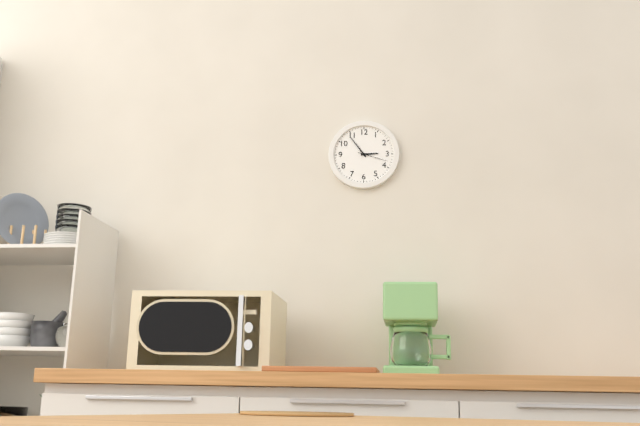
2:54
